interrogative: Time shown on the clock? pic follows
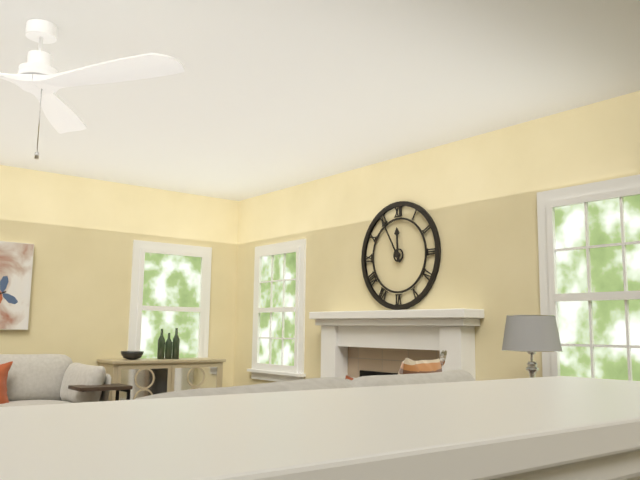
11:55
